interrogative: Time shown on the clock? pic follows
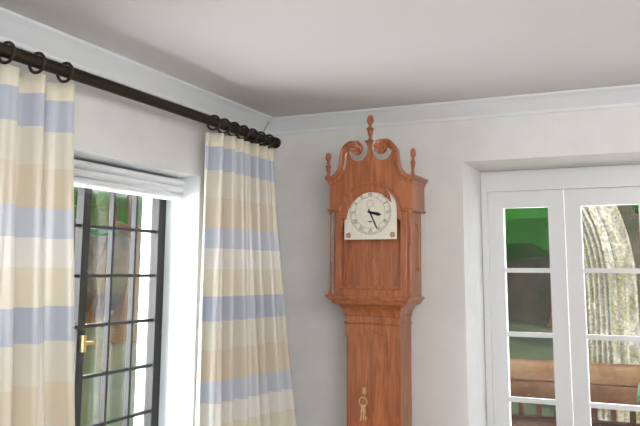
3:26
